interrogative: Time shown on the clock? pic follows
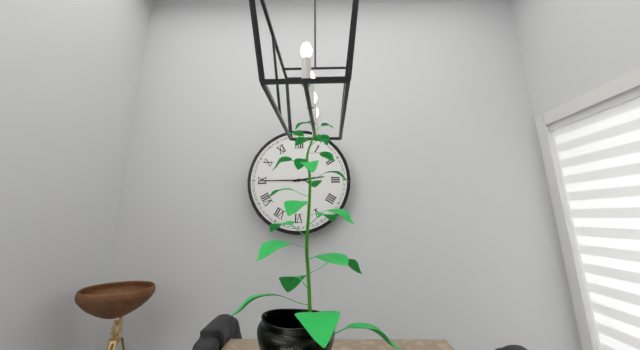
2:45
